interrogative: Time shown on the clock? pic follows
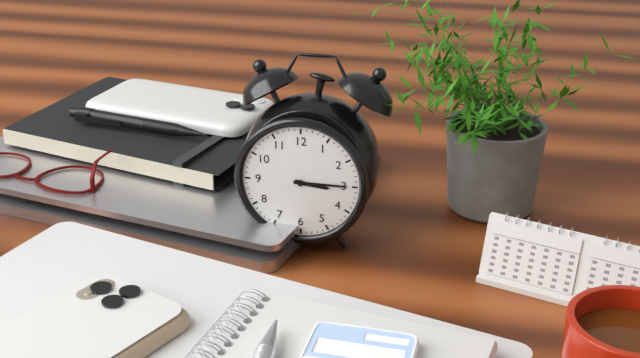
3:15
